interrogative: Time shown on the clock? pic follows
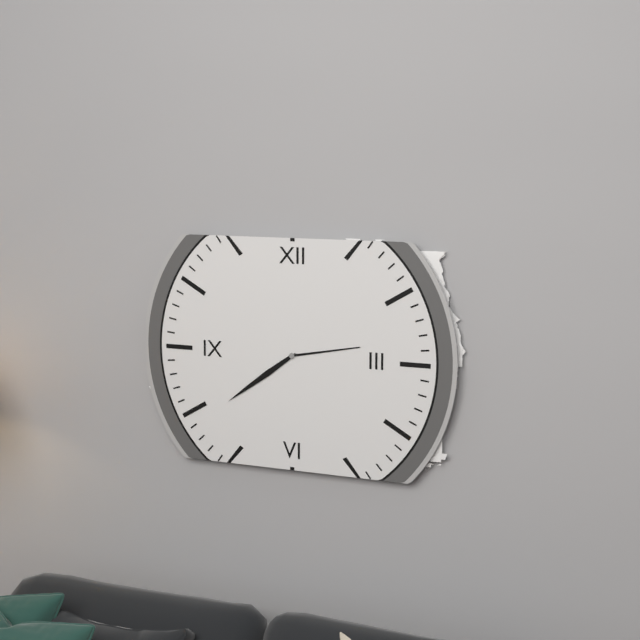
2:39
